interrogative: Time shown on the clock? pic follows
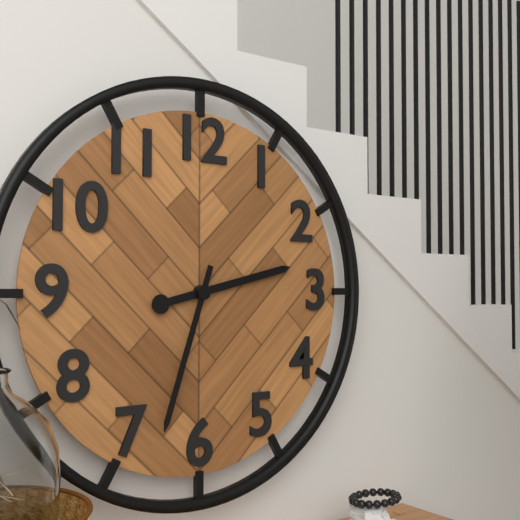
2:33
